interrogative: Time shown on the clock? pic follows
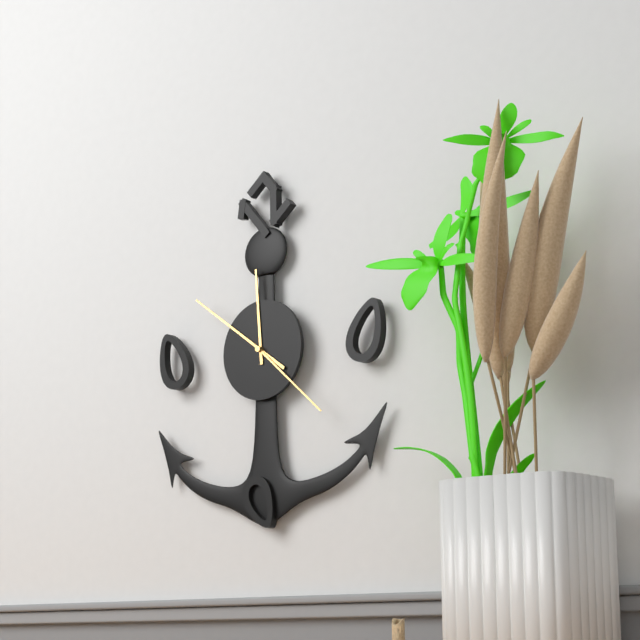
11:51:22
